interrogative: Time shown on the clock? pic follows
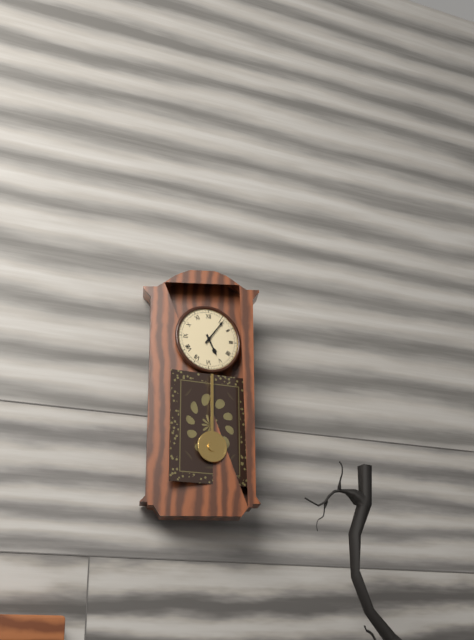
5:06
